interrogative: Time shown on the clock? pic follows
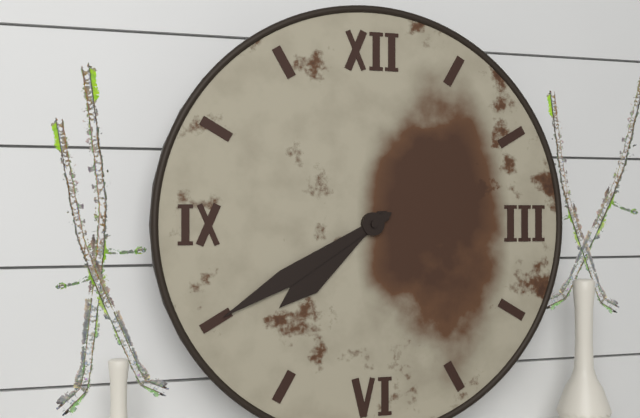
7:40
